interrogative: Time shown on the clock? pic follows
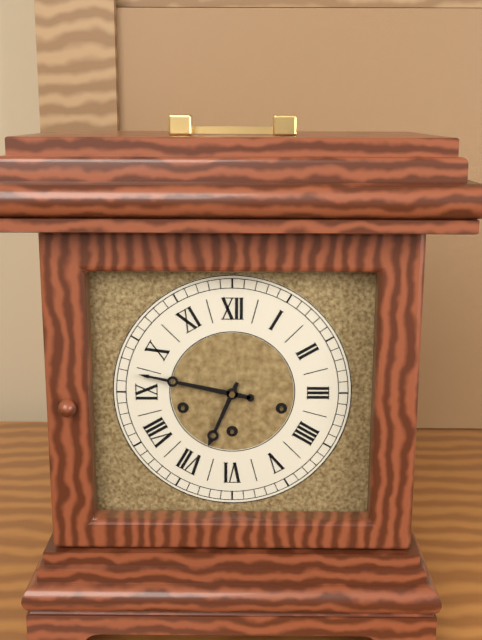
6:47
